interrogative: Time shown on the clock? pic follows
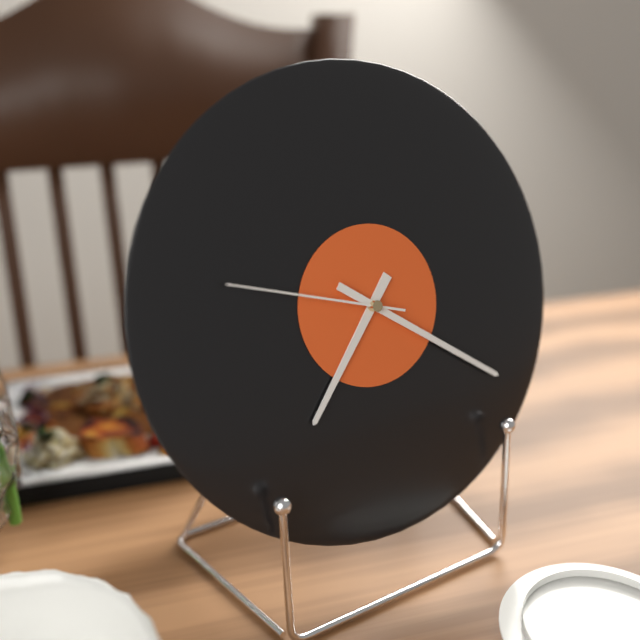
7:21:48
